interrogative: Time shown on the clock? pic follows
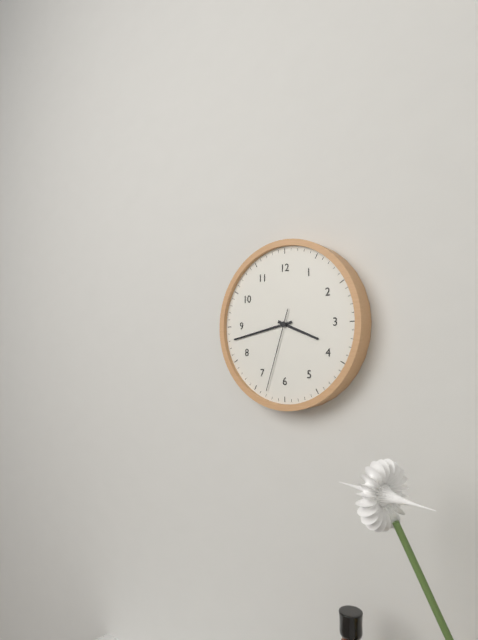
3:43:33
